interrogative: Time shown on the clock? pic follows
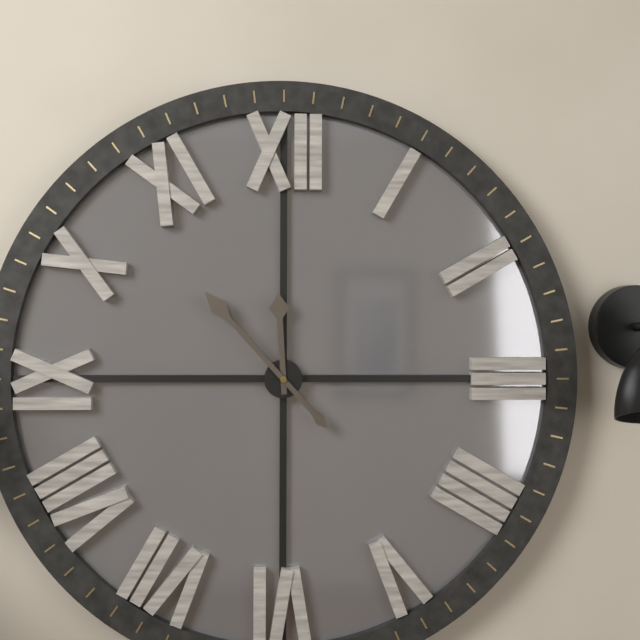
11:53
